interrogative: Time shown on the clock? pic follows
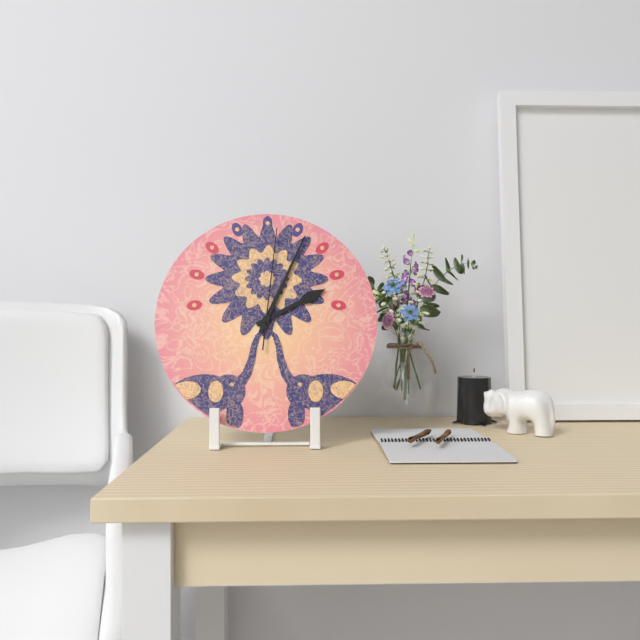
2:04:01
